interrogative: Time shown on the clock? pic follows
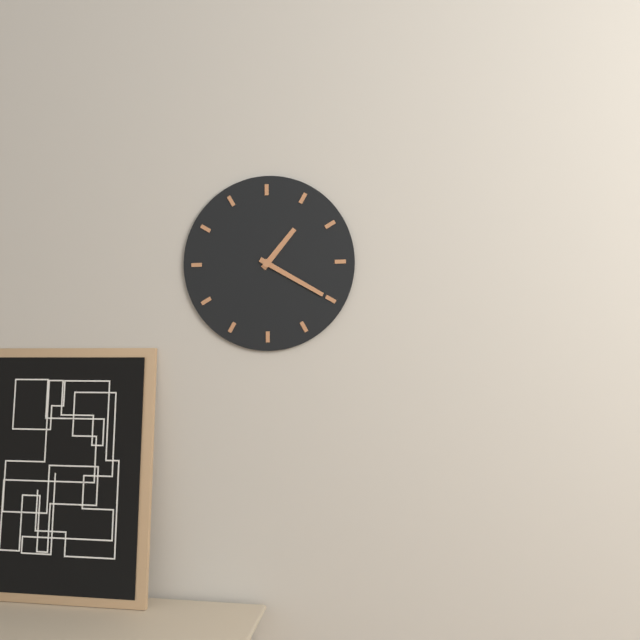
1:20
